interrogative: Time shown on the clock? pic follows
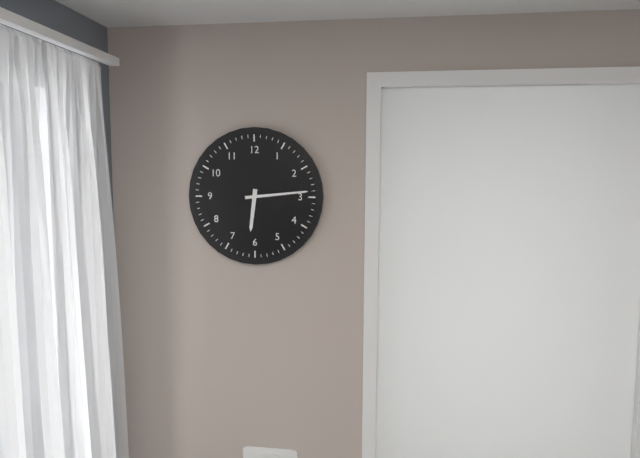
6:14
